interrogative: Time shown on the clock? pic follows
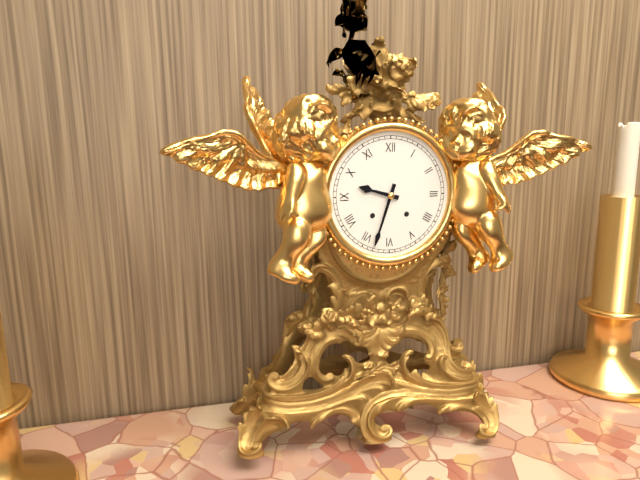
9:33
